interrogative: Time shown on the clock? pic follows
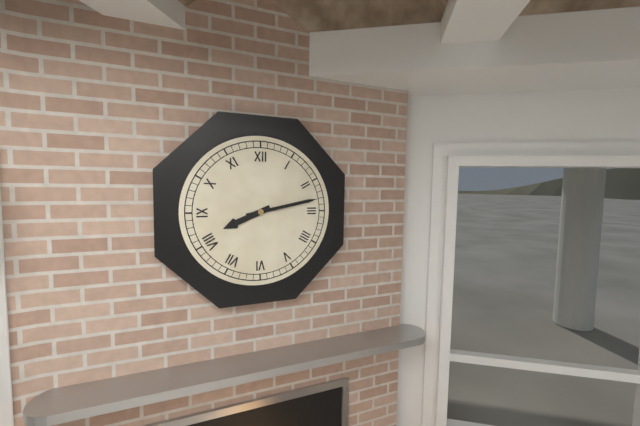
8:13
